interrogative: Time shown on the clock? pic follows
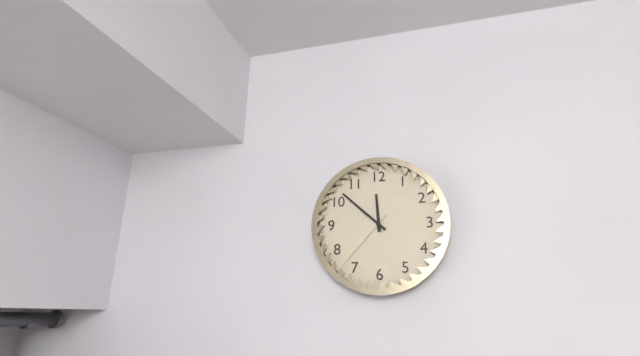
11:52:37
